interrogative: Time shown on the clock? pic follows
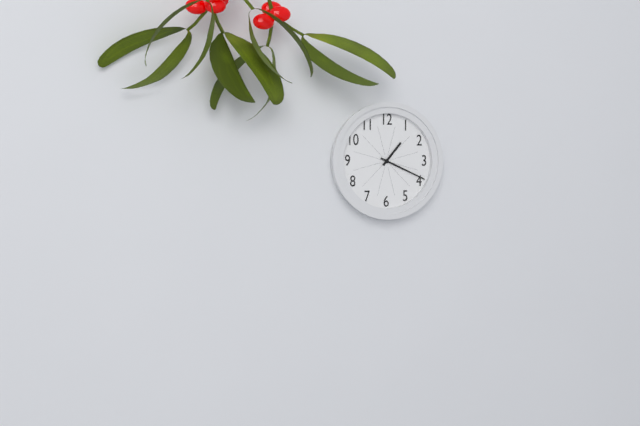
1:19
